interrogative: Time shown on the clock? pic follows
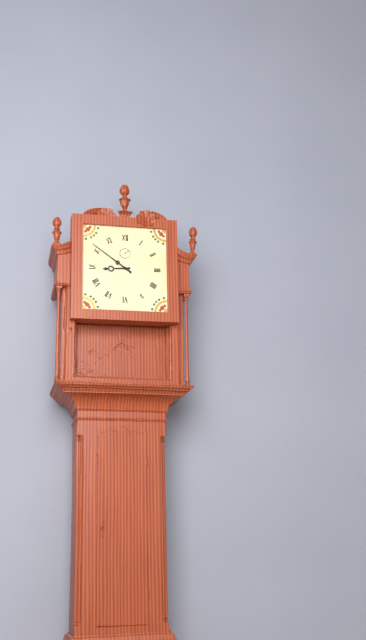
8:51
